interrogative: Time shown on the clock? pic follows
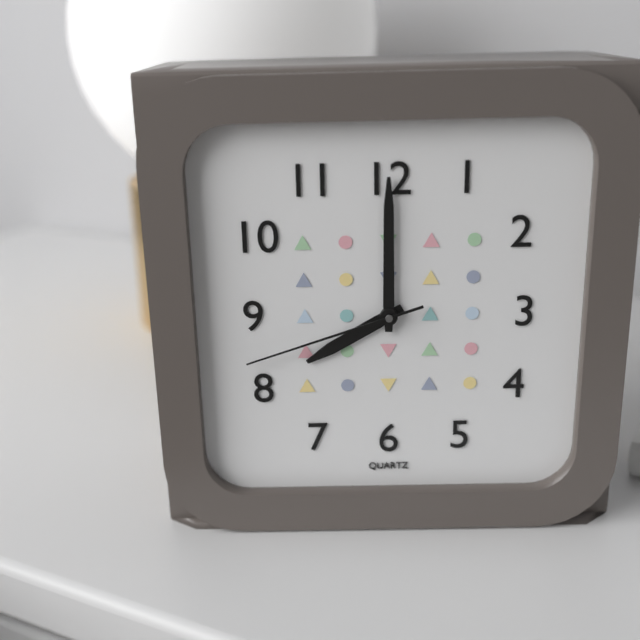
8:00:42
